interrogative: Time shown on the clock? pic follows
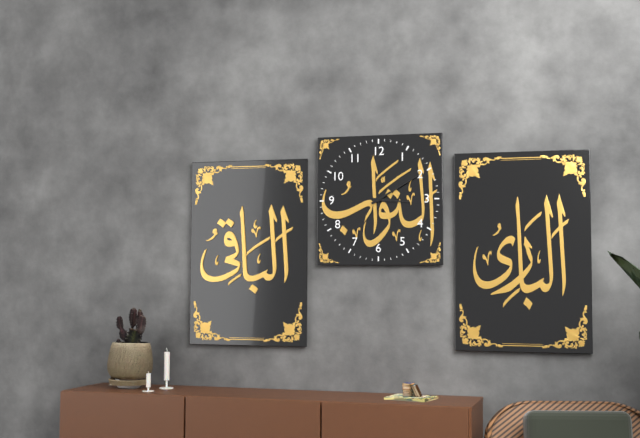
3:10
